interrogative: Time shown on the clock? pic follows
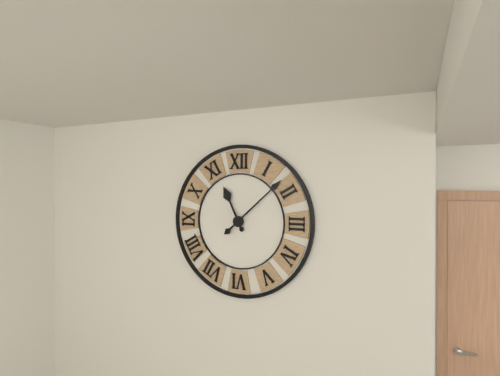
11:08
